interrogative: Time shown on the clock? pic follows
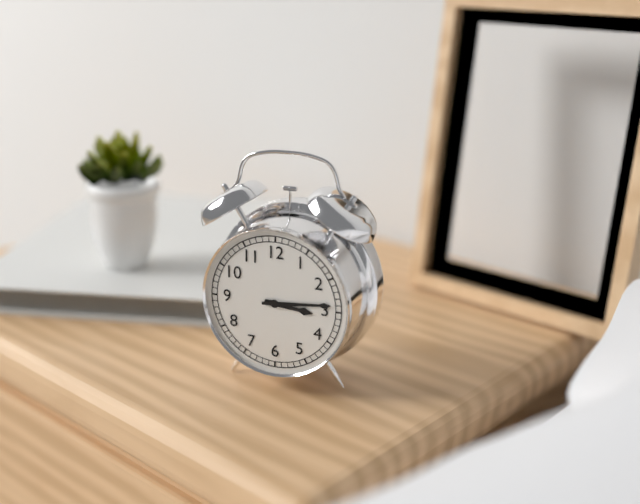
3:14
